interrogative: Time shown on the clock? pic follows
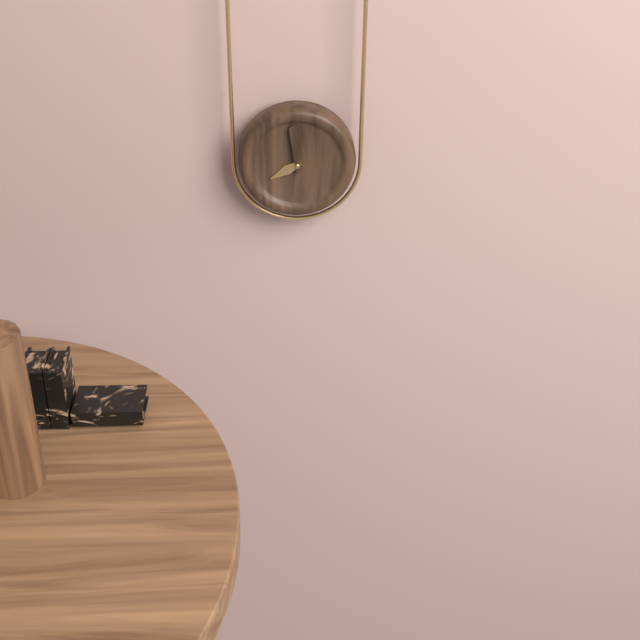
7:59
